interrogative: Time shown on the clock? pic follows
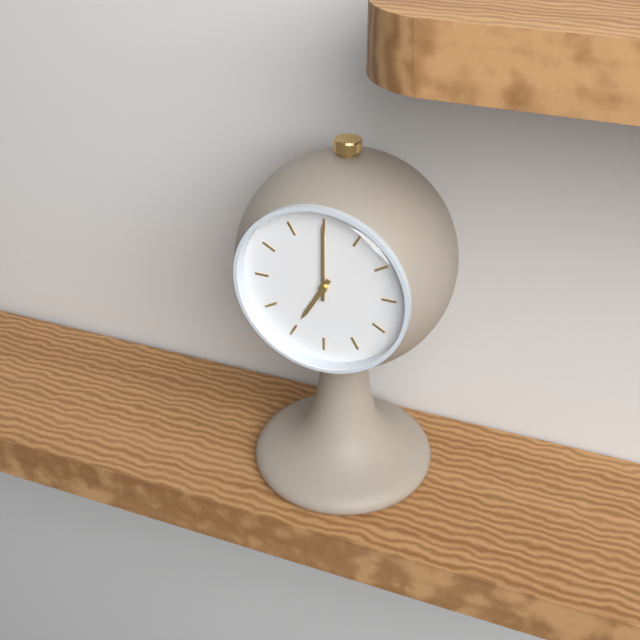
7:00
